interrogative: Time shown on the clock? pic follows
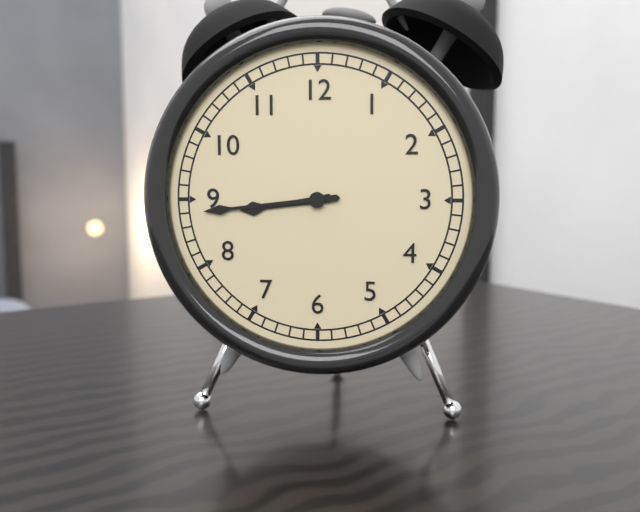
8:44
